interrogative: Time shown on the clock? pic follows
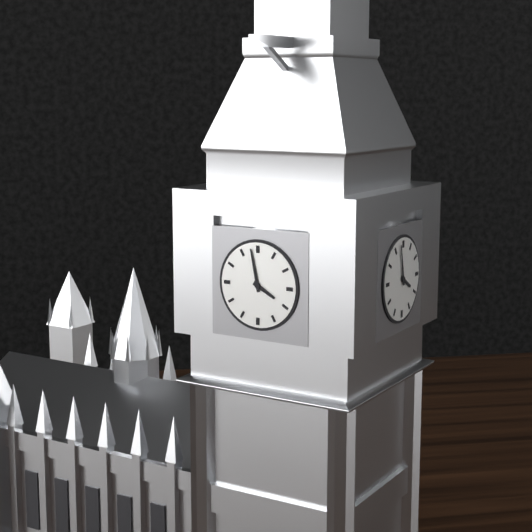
3:58
